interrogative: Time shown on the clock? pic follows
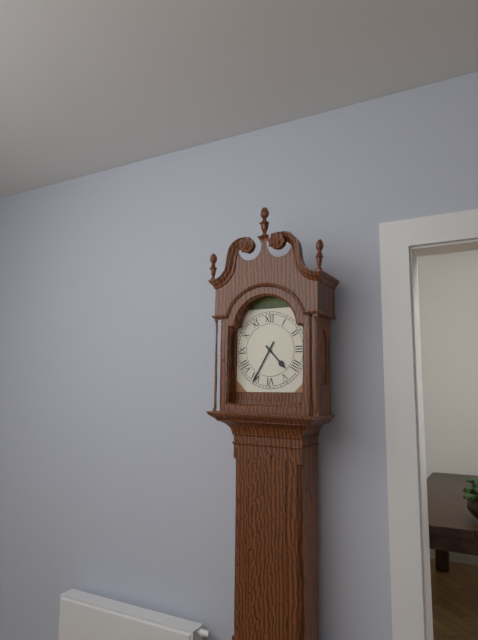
4:35
